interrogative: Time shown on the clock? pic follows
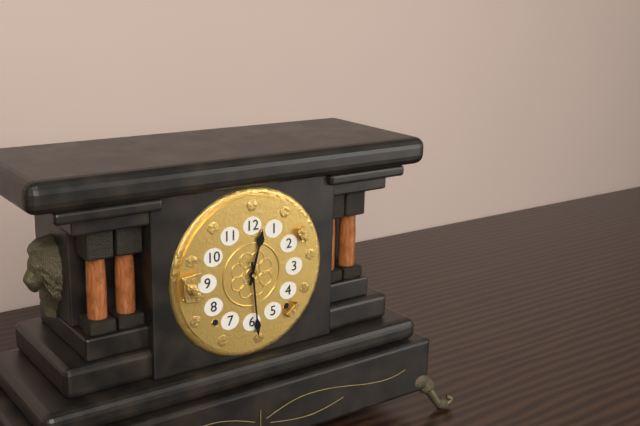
12:29
